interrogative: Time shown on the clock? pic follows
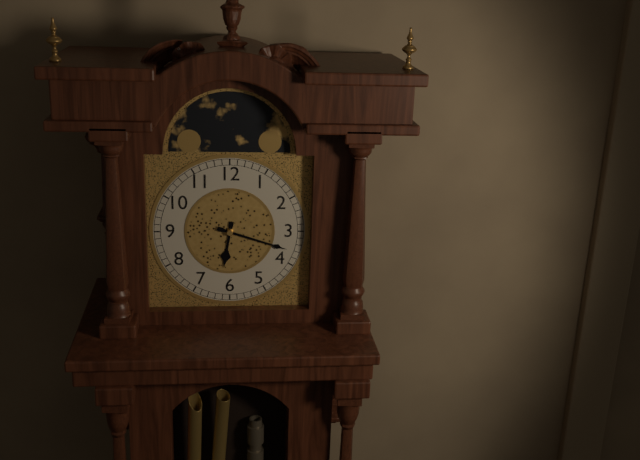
6:18
